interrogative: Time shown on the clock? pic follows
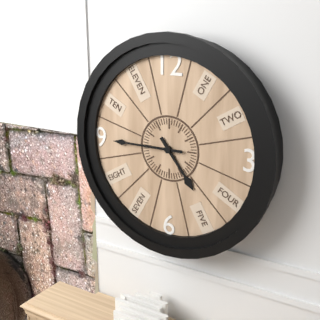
4:45
